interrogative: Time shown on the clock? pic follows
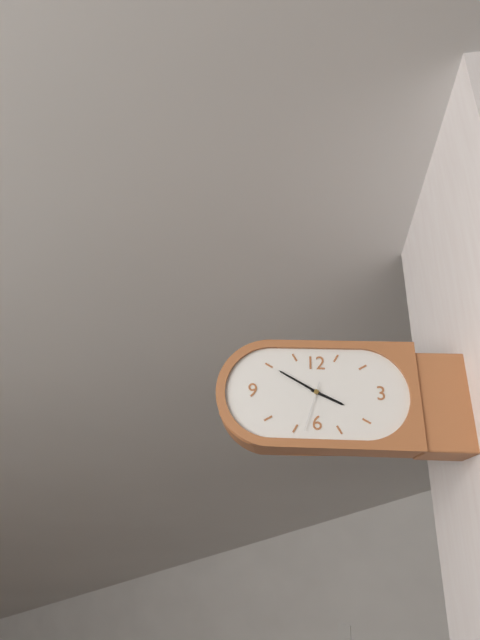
3:50
